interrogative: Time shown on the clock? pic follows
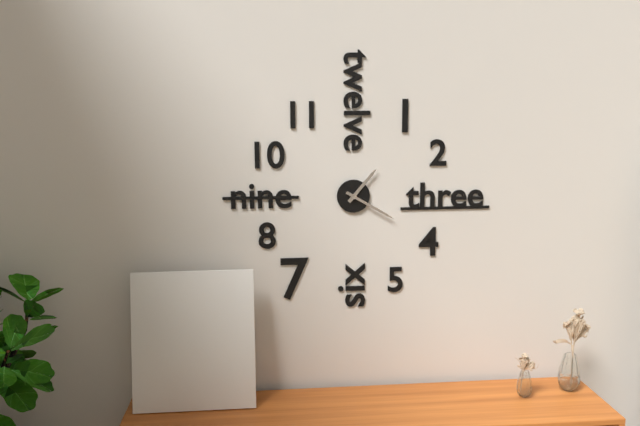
1:20
